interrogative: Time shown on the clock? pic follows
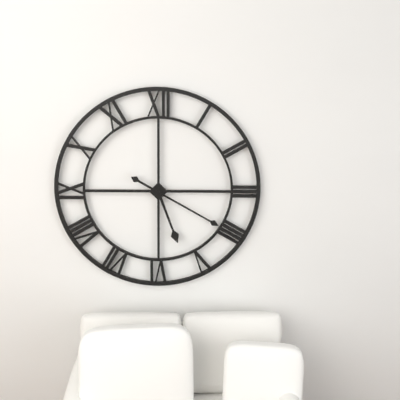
5:20
